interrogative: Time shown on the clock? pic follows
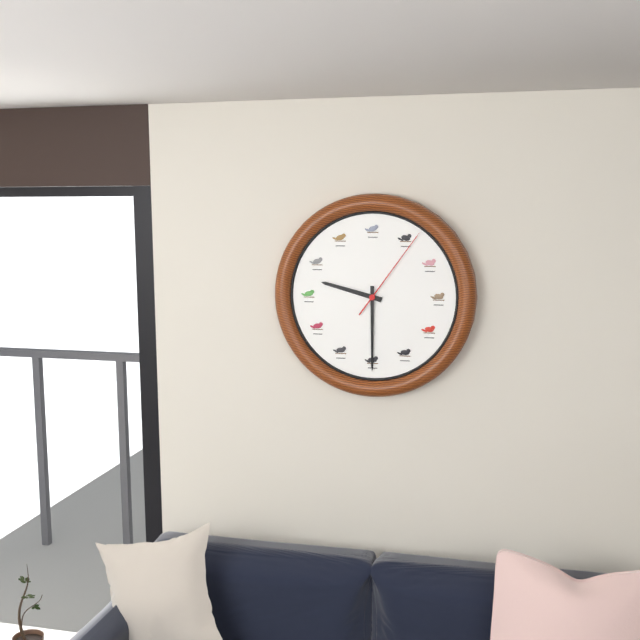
9:30:06
